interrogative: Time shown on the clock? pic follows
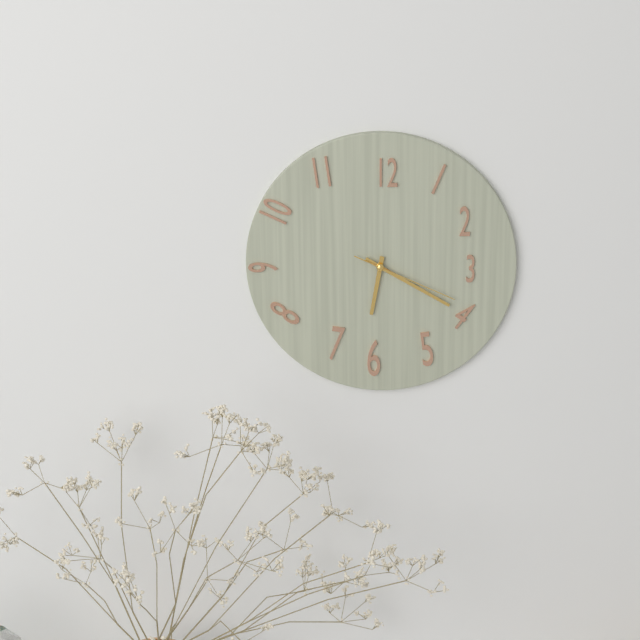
6:20:19
